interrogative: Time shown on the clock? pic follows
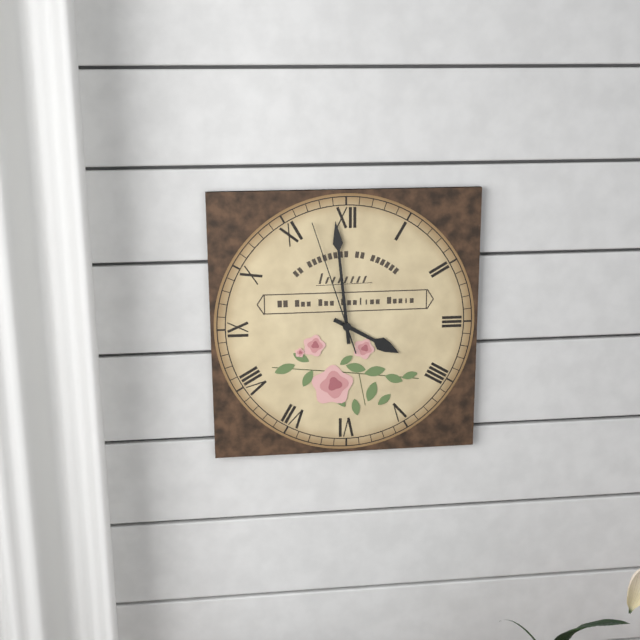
3:59:57
